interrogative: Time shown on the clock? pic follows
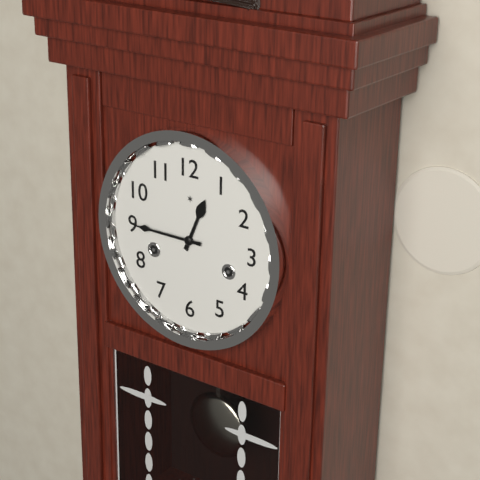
12:45
